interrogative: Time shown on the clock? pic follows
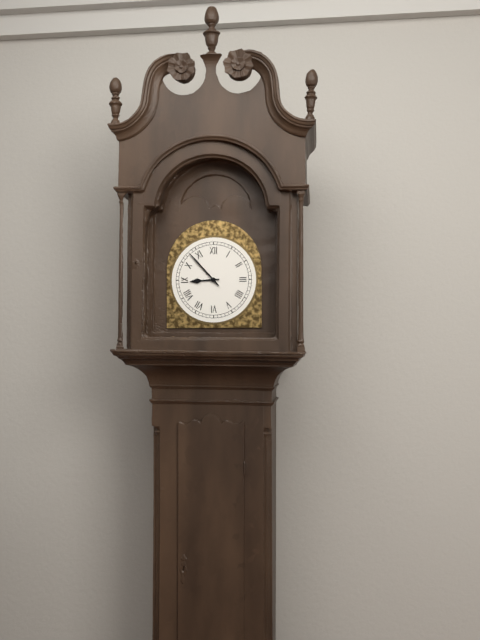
8:53
